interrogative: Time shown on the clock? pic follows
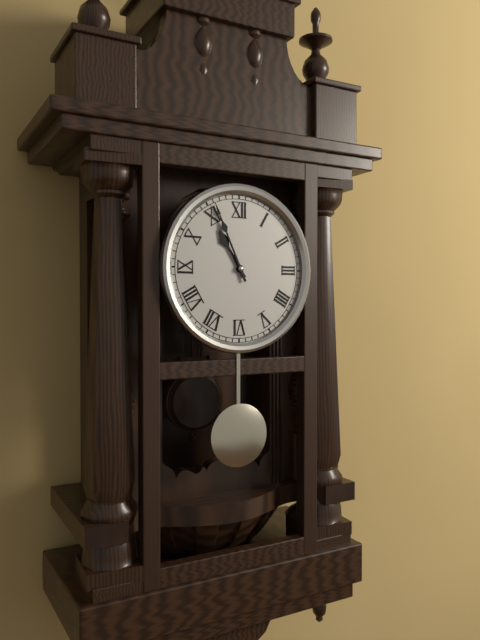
10:56
